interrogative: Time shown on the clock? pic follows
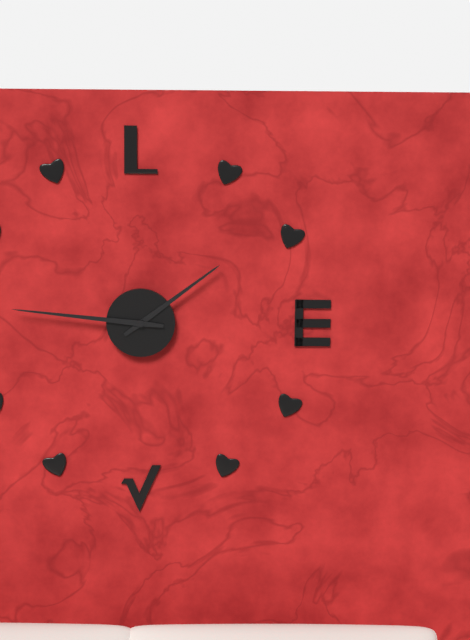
1:46
